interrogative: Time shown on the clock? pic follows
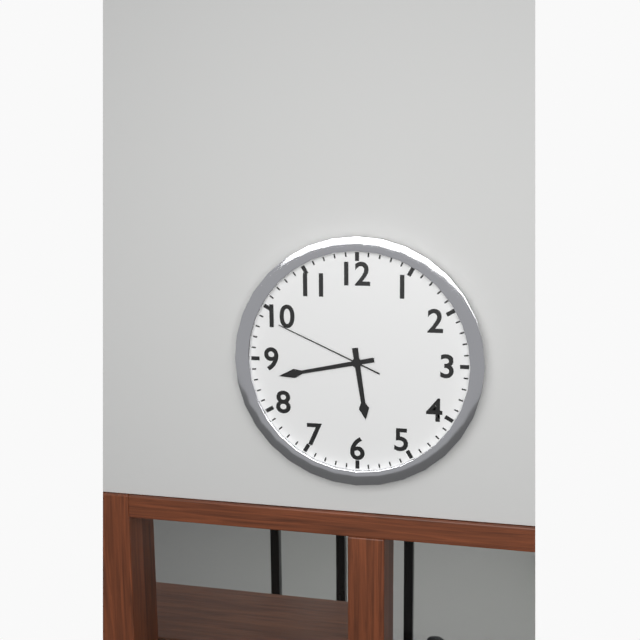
5:43:49
